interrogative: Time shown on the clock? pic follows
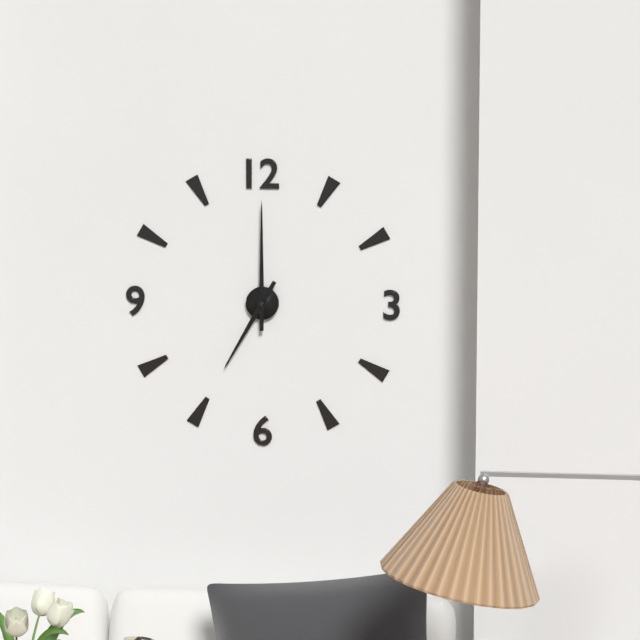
7:00
